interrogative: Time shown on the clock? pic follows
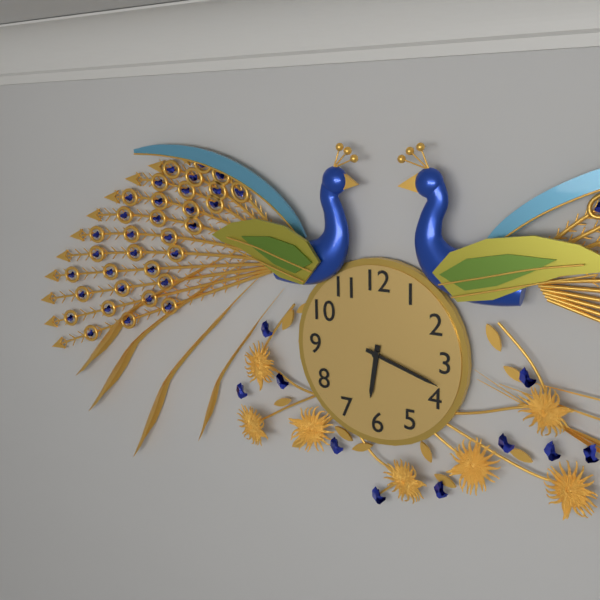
6:18
